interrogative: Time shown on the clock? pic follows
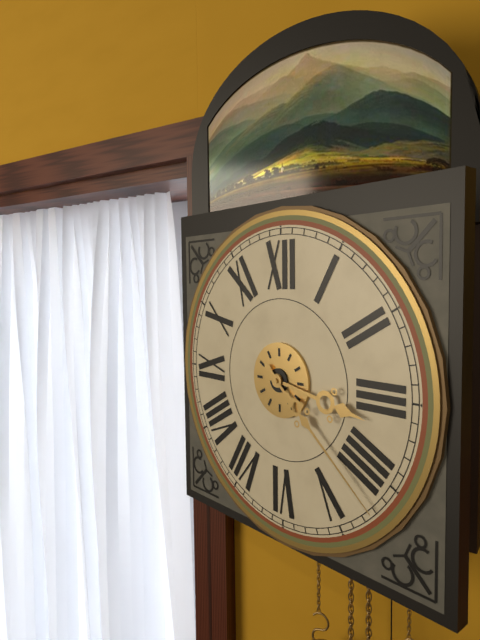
3:22
